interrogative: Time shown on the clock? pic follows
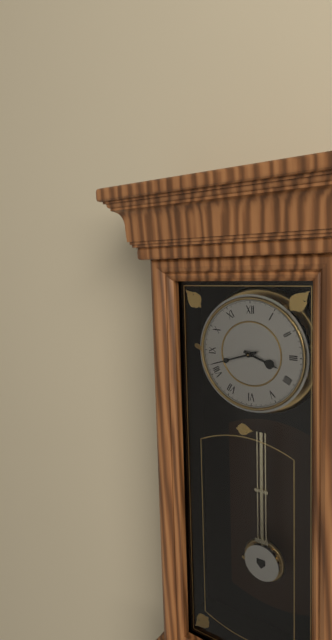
3:42
